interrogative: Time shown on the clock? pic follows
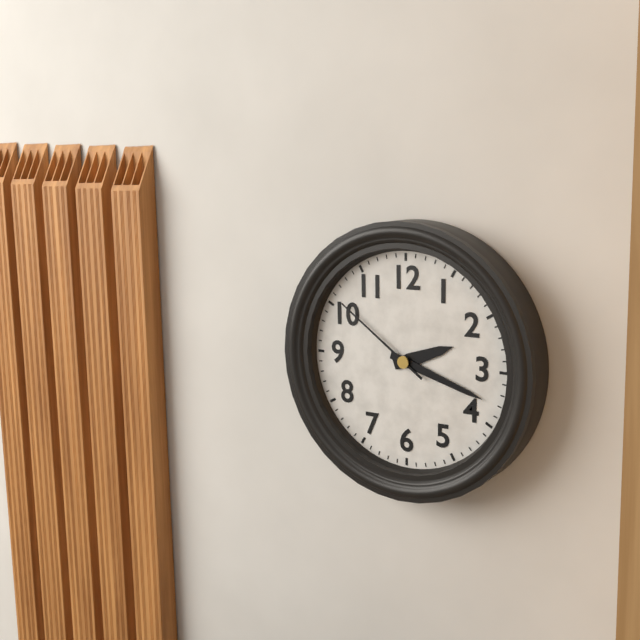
2:18:51
